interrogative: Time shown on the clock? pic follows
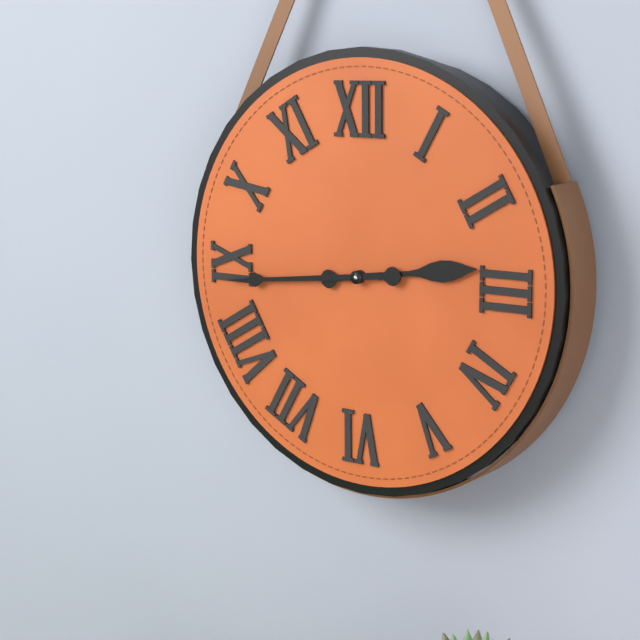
2:44
